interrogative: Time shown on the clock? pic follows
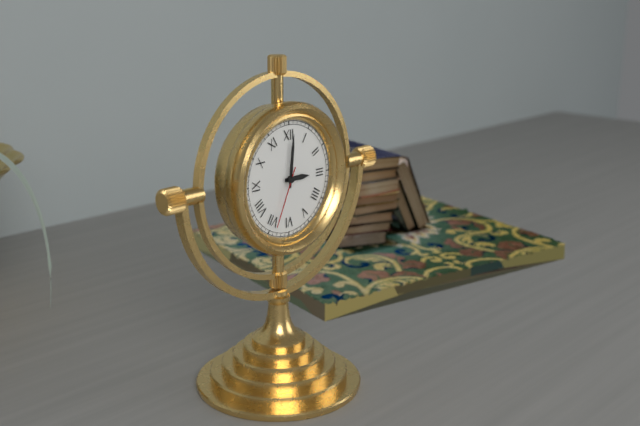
3:01:34
